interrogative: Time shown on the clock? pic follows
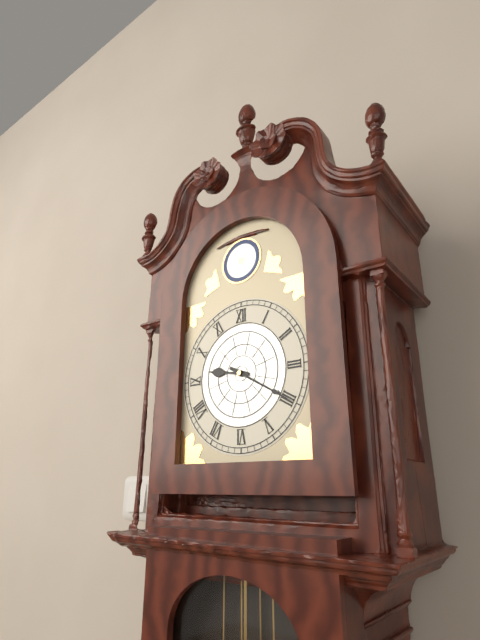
9:20
